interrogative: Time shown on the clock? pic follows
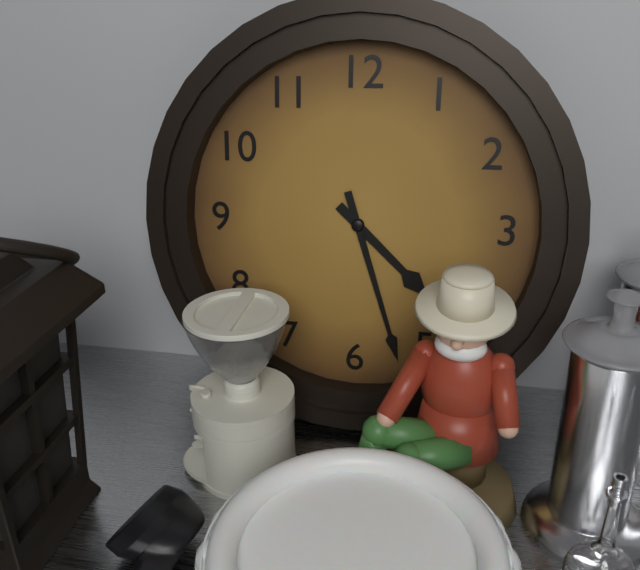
4:27
